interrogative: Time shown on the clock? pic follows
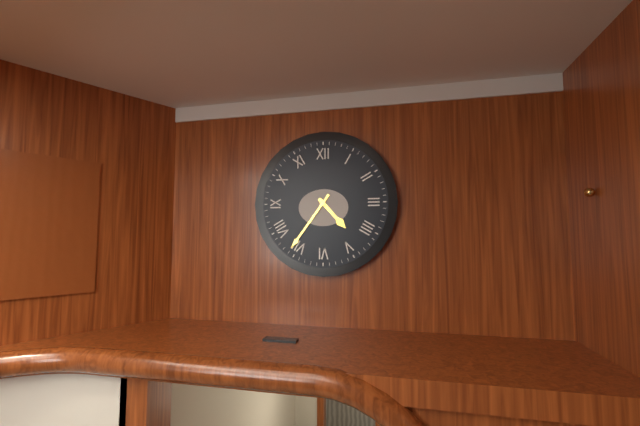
4:36
